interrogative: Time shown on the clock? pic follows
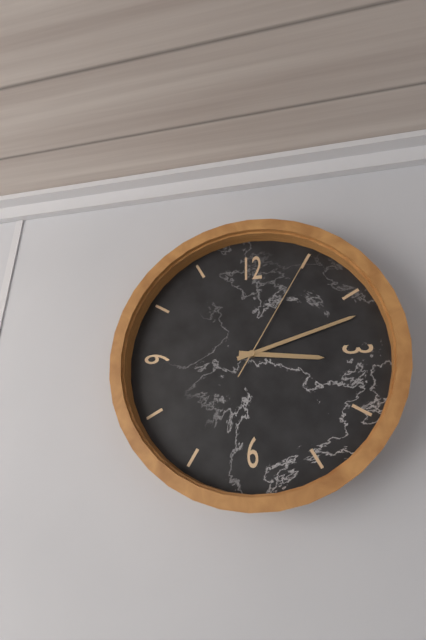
3:12:05
